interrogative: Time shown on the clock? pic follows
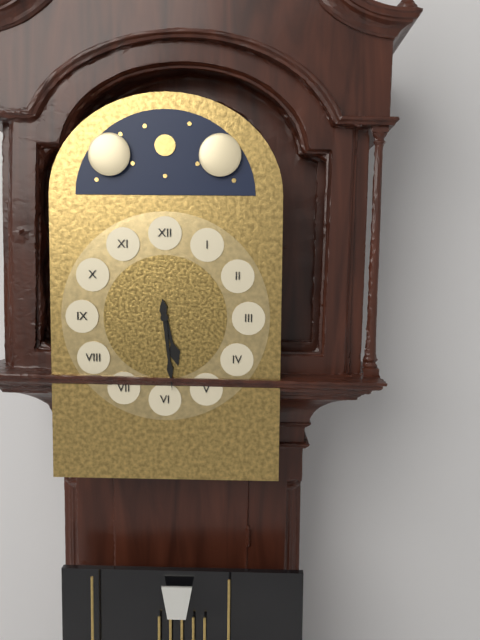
5:29
